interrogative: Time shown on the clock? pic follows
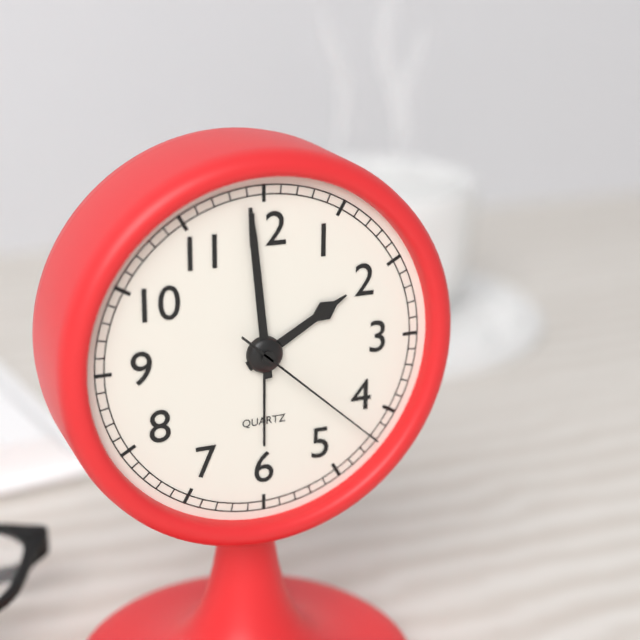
1:59:22
